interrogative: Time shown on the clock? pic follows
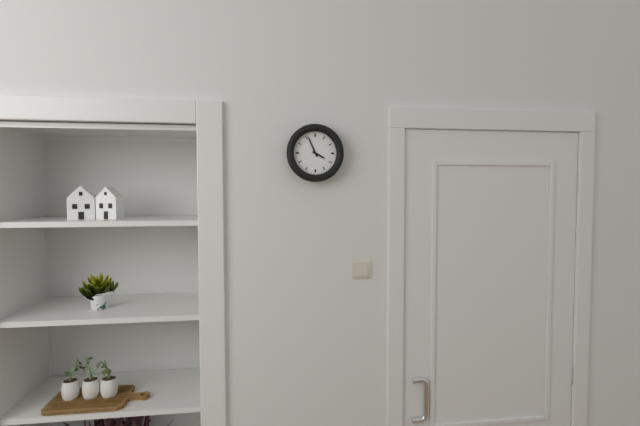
3:56
